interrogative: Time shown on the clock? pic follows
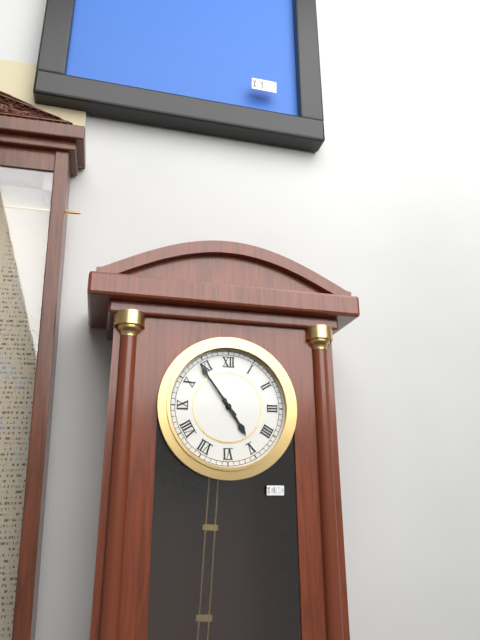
4:54
